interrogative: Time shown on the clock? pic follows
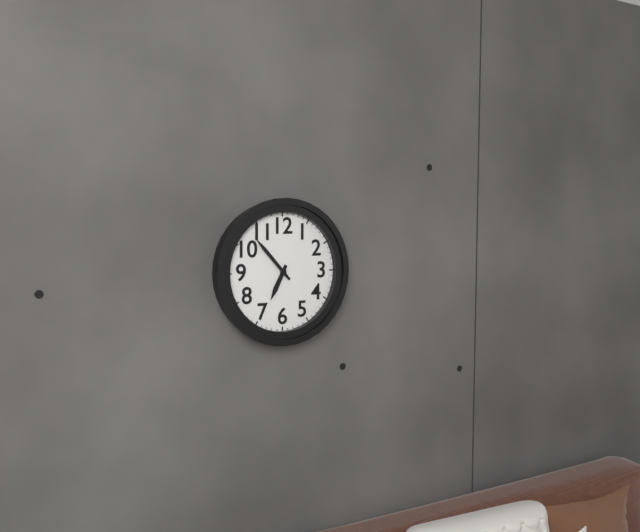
6:53
